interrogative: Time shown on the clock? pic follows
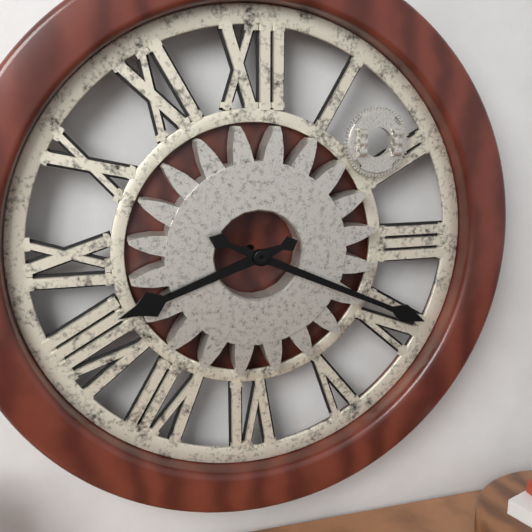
8:19
